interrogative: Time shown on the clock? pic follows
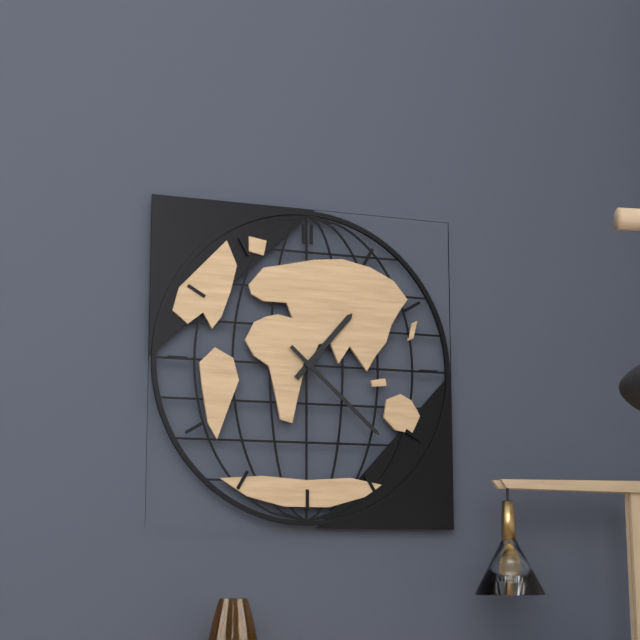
1:22
